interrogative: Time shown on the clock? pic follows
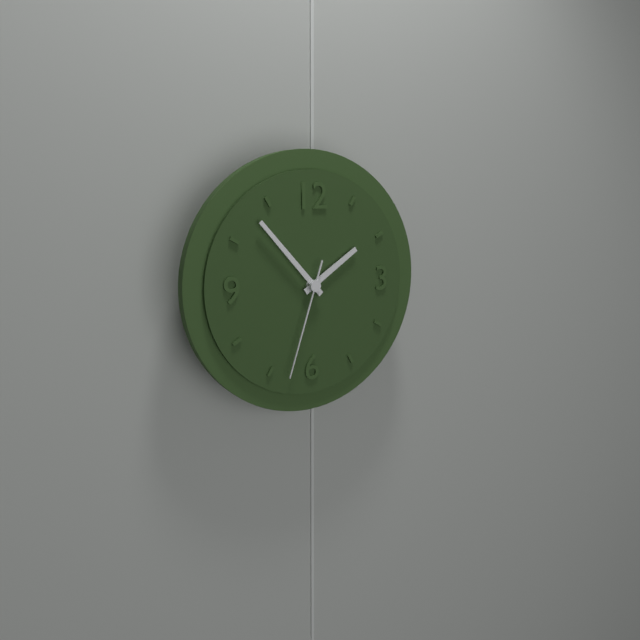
1:53:33
